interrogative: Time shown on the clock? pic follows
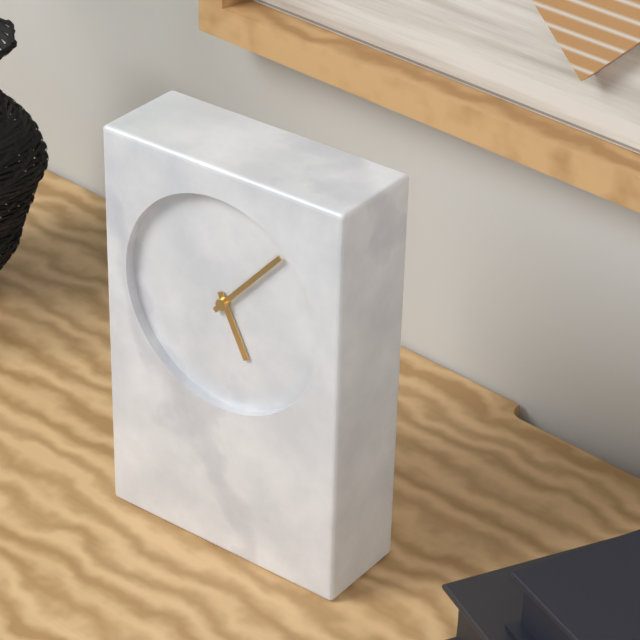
5:07
